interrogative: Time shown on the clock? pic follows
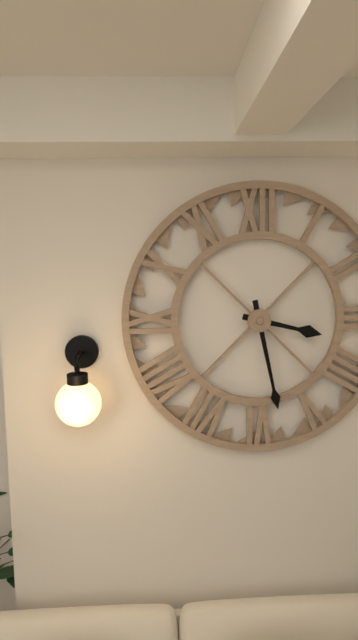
3:28
